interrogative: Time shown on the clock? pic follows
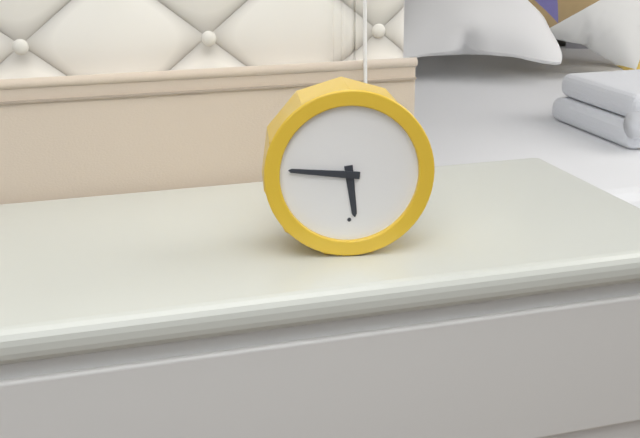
5:46
